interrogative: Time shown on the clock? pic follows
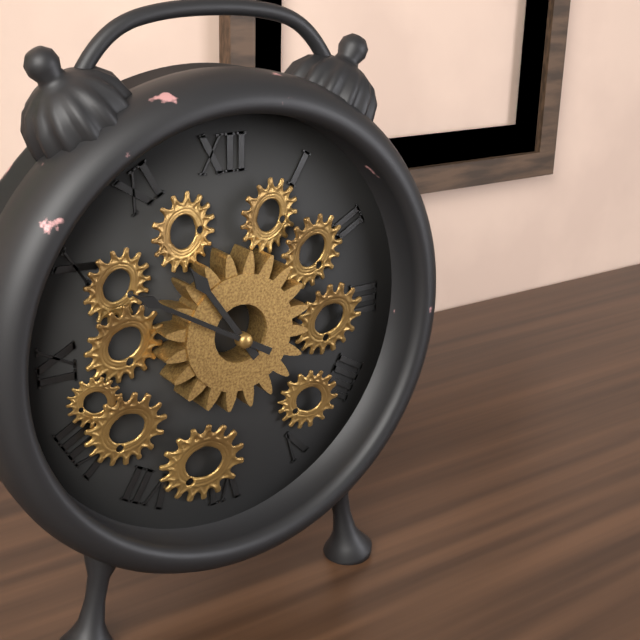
10:50
